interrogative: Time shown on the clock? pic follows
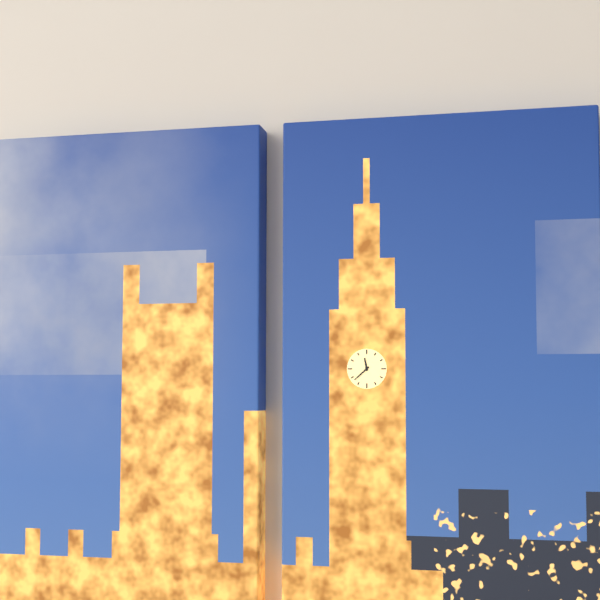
11:38
